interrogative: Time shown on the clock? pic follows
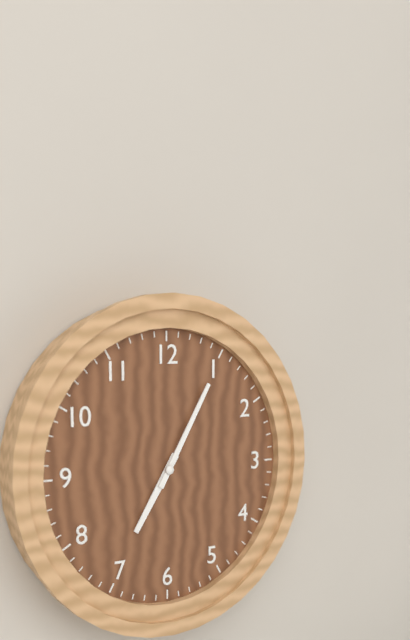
7:05
